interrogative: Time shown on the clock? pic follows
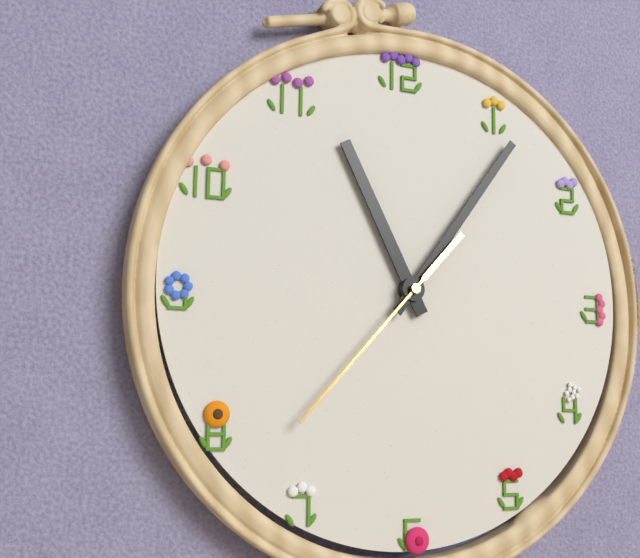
11:06:37
